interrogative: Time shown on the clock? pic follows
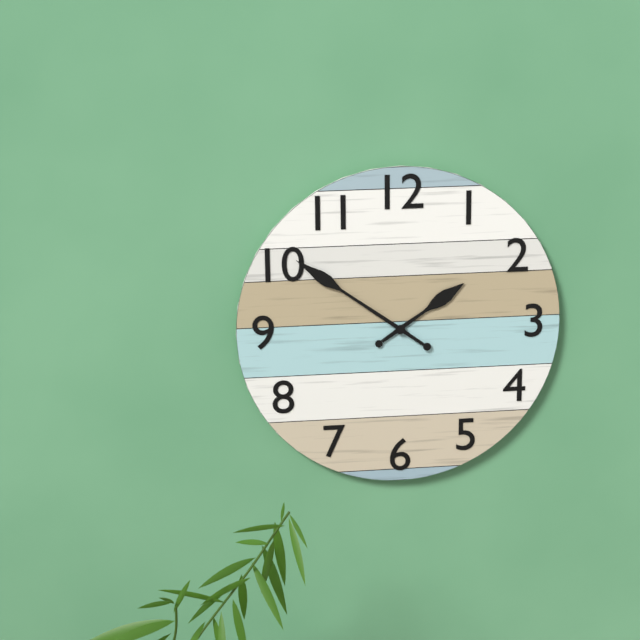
1:51
